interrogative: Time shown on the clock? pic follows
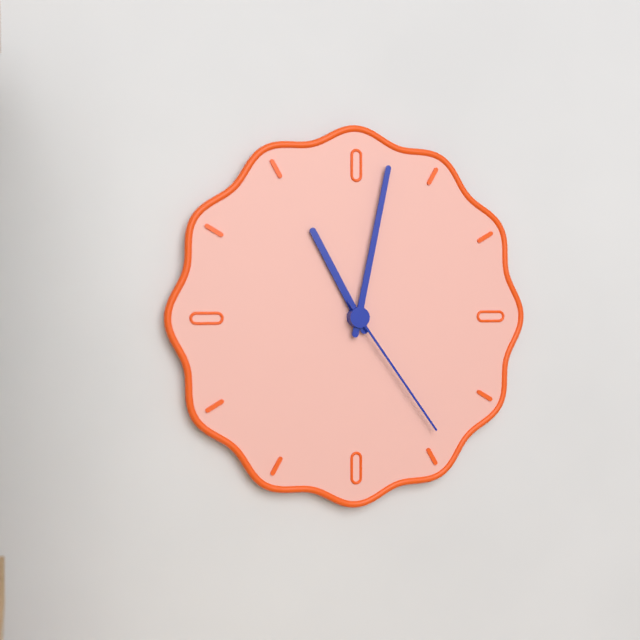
11:02:24
